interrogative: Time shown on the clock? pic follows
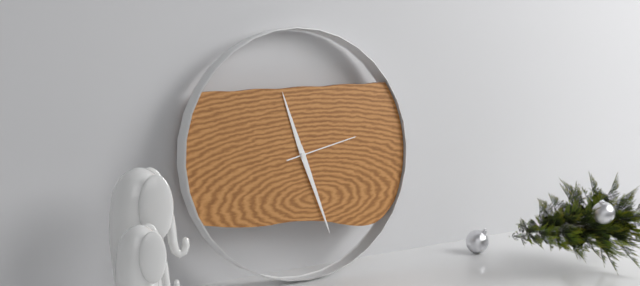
11:27:13
